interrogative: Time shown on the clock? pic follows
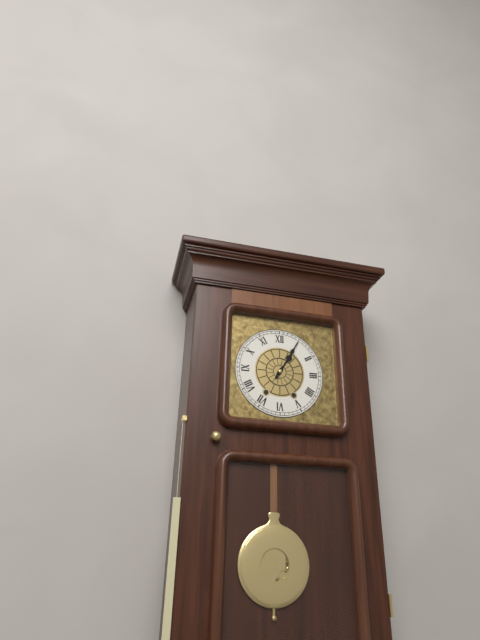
1:05
